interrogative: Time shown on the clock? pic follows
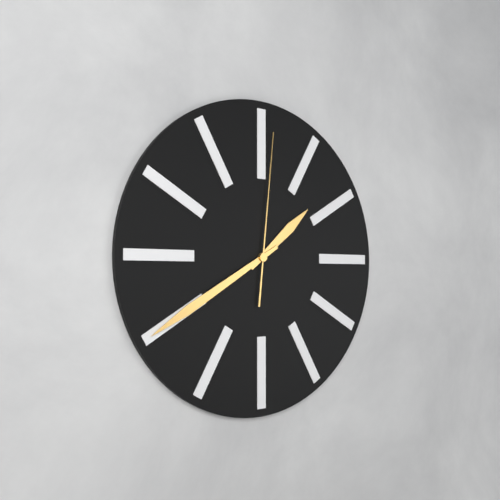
1:40:01
